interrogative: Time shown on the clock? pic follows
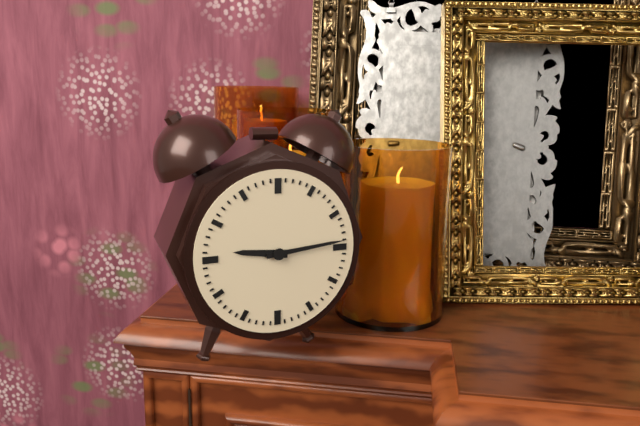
9:14
